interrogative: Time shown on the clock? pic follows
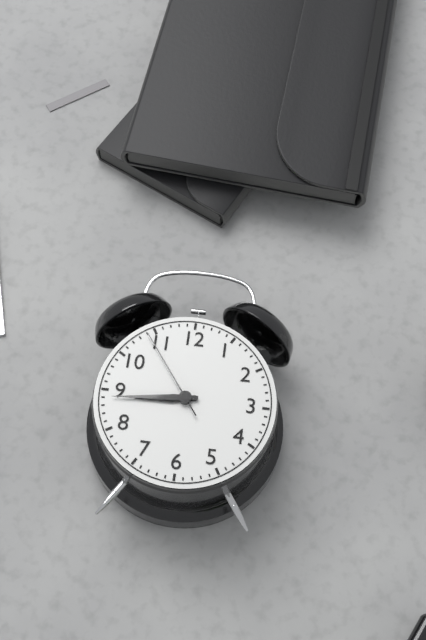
8:44:54
